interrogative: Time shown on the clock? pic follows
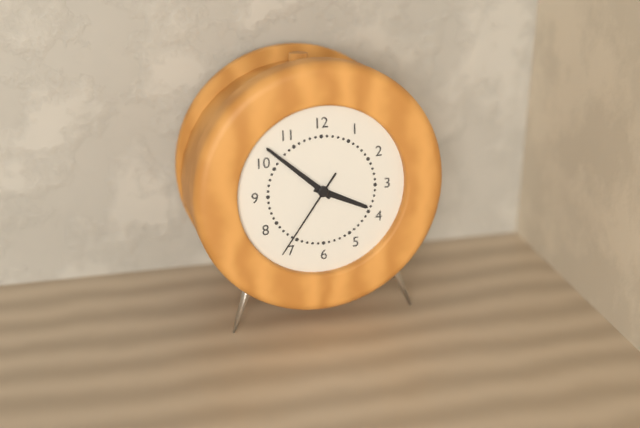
3:52:36
